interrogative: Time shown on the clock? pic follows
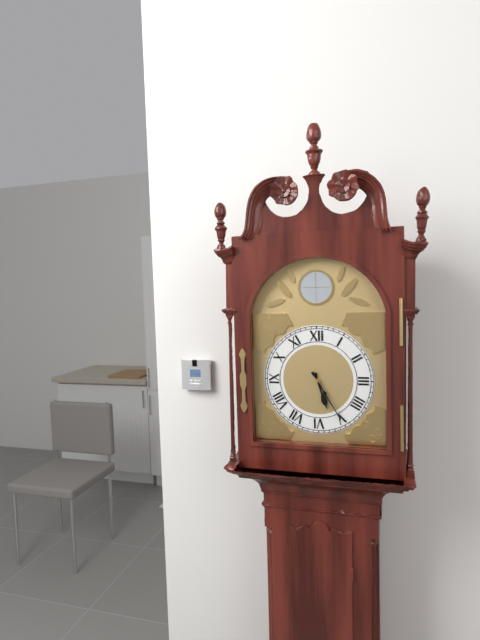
5:25
